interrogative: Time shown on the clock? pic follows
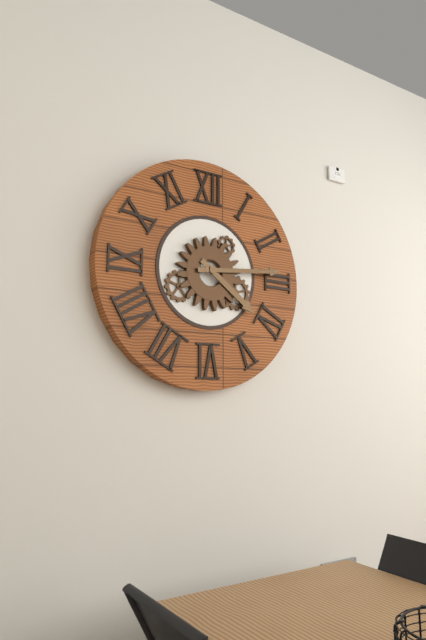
4:14
